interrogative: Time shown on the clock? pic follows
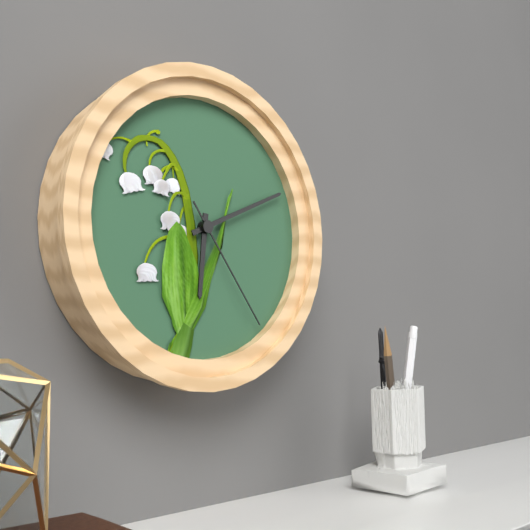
6:11:24
